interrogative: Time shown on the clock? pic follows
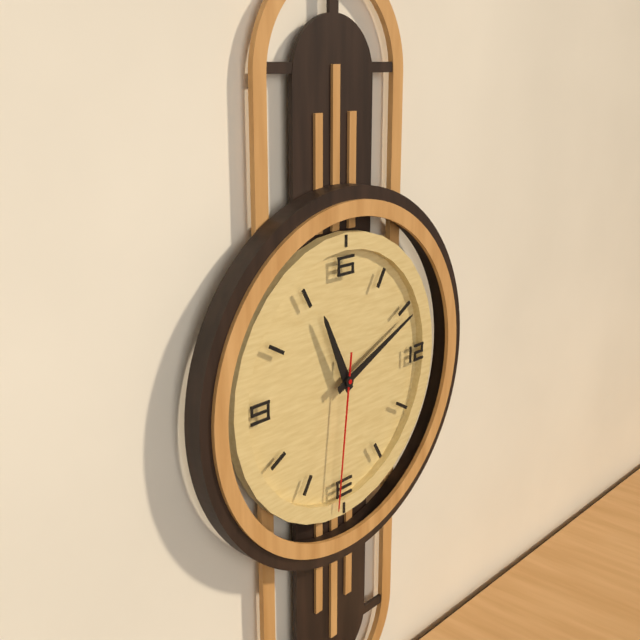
11:11:31
